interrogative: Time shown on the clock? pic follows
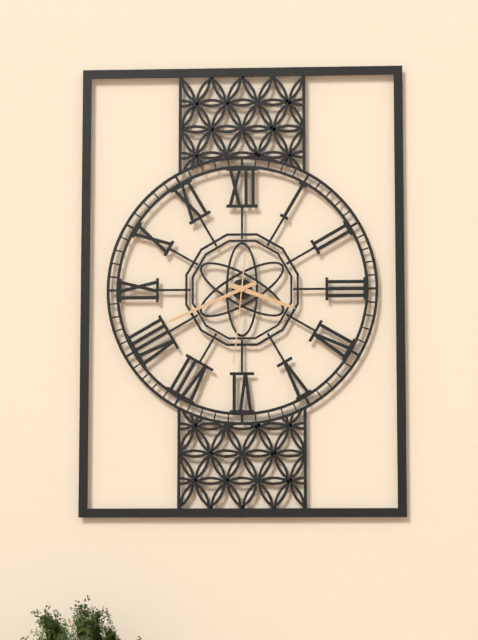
3:41:31
